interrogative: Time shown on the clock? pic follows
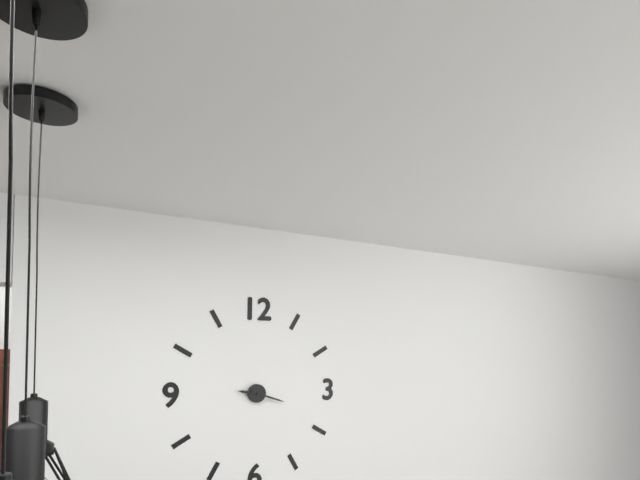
9:18
